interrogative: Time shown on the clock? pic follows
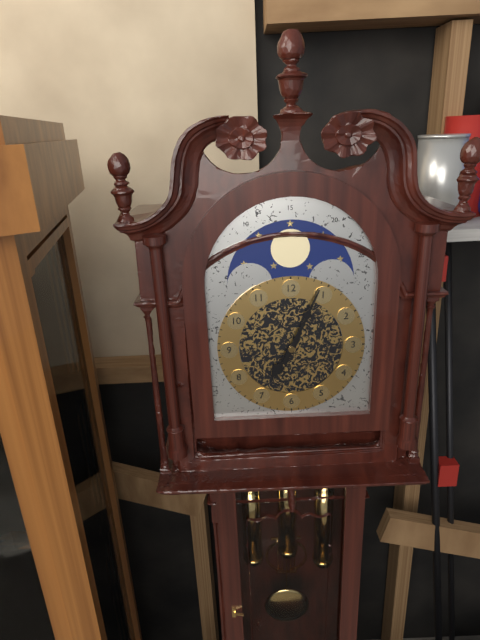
7:04
